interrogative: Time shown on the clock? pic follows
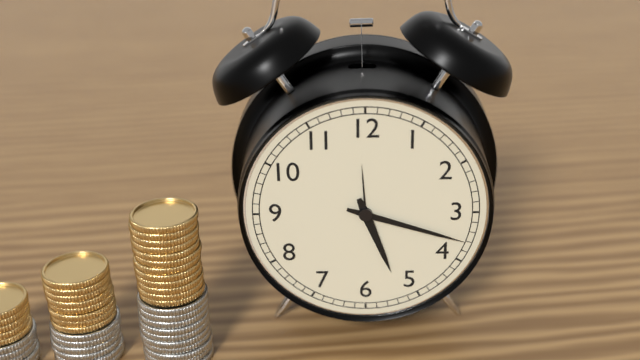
5:18
